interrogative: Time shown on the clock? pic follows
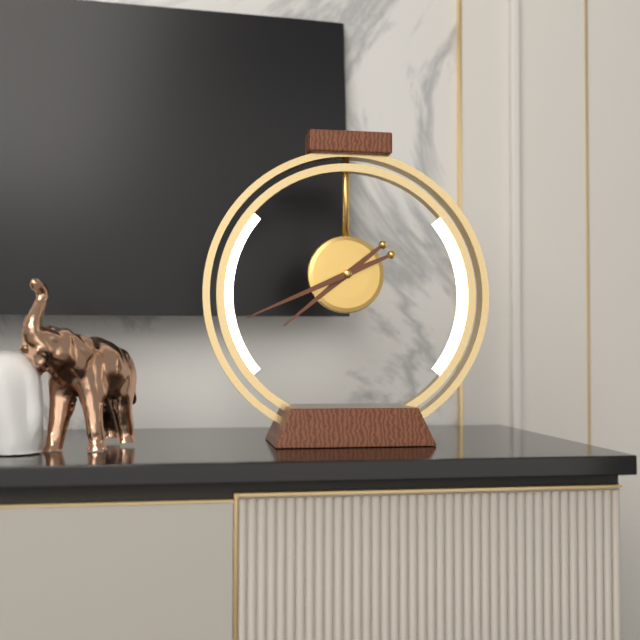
7:41
